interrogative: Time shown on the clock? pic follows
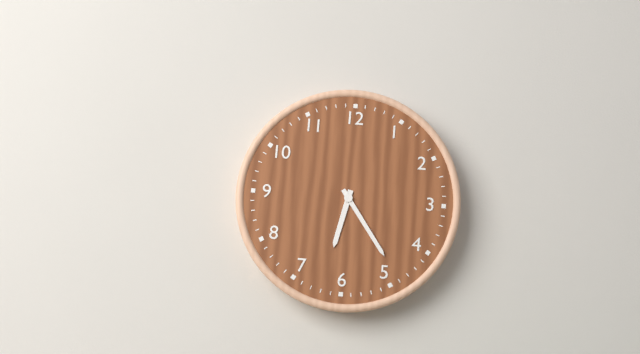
6:24
